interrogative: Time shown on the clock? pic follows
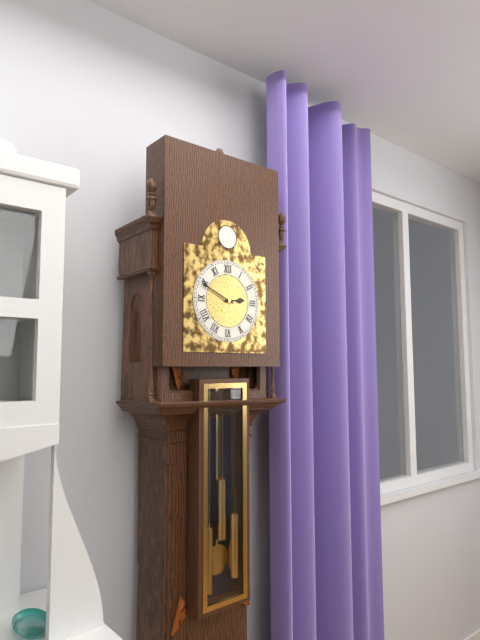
2:49
